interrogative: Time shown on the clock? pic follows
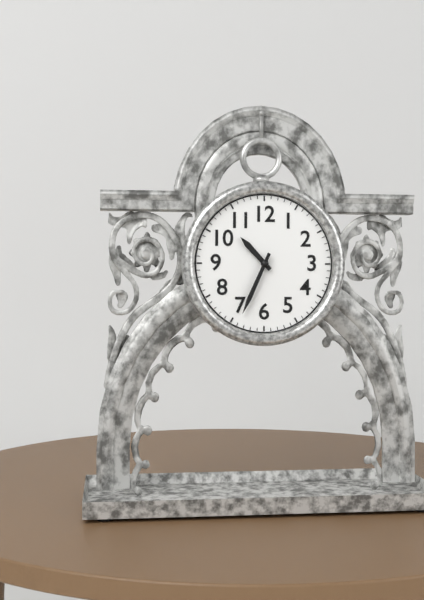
10:34
